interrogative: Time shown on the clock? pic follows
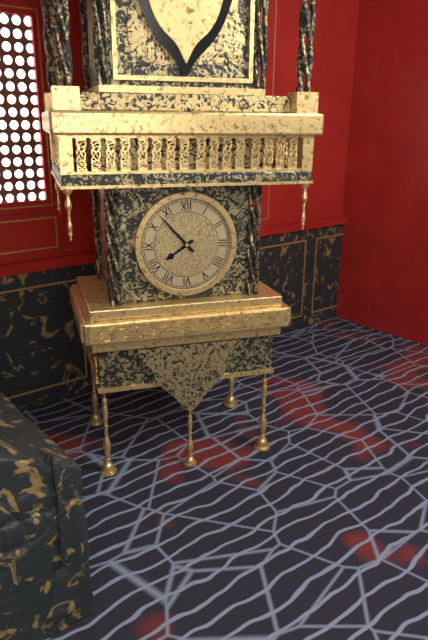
7:53
